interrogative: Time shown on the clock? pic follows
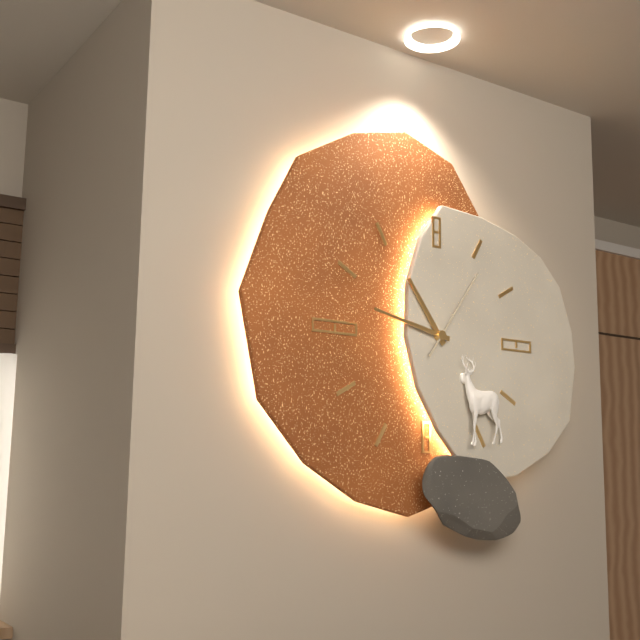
10:47:06
